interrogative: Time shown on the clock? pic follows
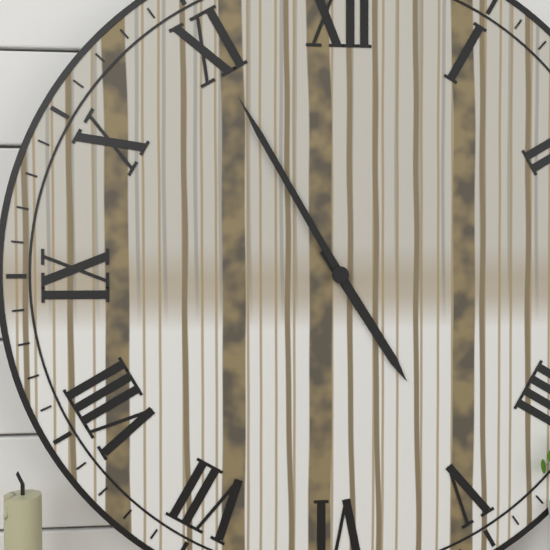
4:55
